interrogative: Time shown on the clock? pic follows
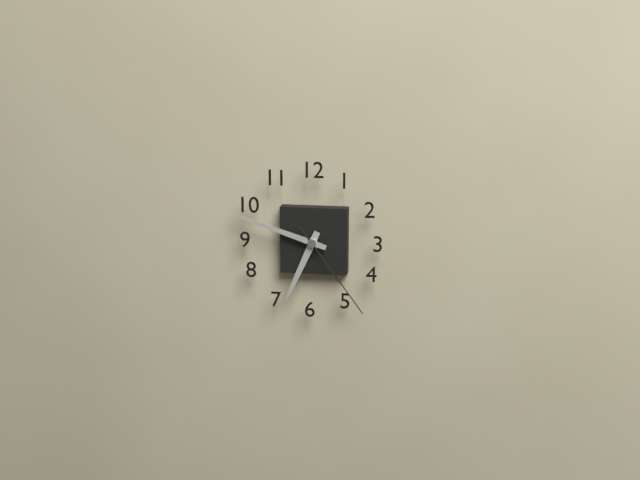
6:48:24
